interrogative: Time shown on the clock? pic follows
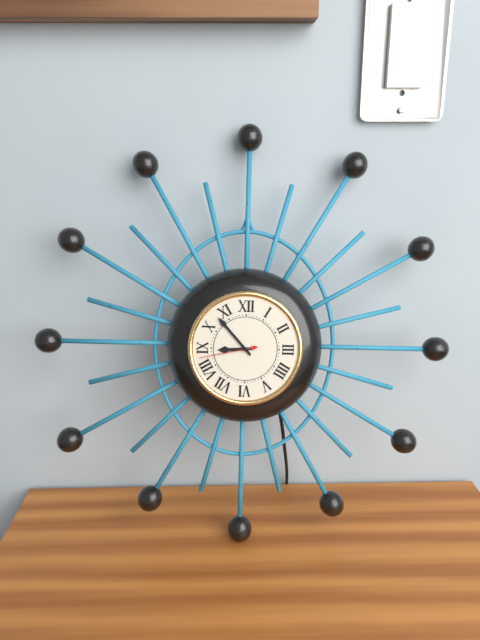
8:53:43
